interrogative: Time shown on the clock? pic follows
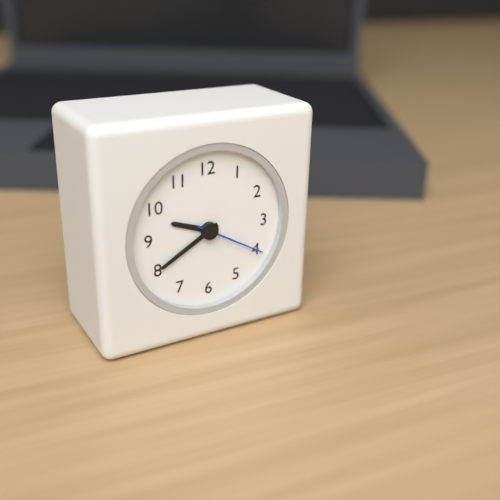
9:40:20
